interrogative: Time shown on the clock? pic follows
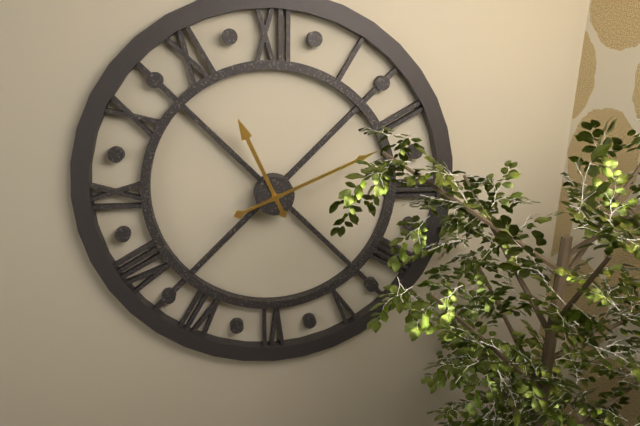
11:11
